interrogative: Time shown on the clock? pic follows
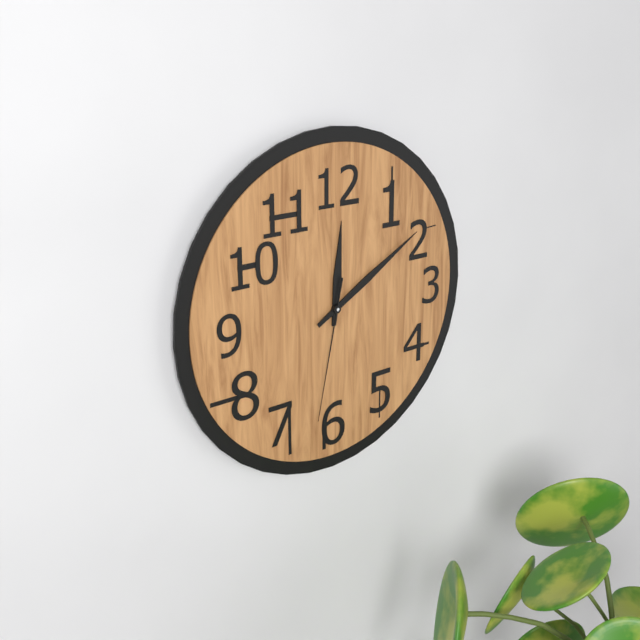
12:10:32
